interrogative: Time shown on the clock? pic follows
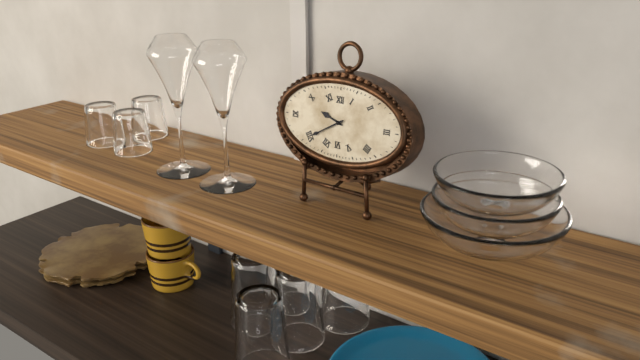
9:40
